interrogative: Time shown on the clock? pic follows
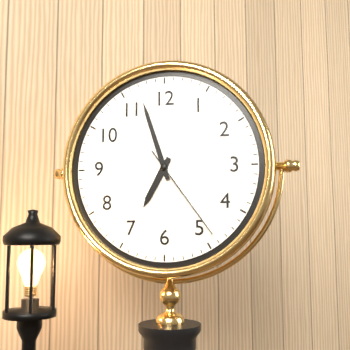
6:57:24
